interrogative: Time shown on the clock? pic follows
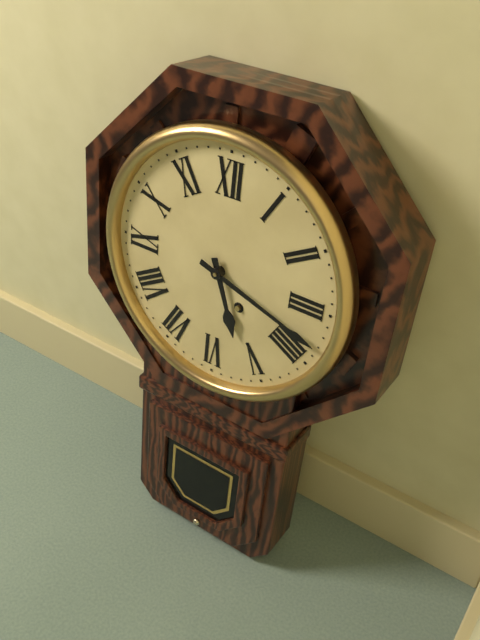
5:18
